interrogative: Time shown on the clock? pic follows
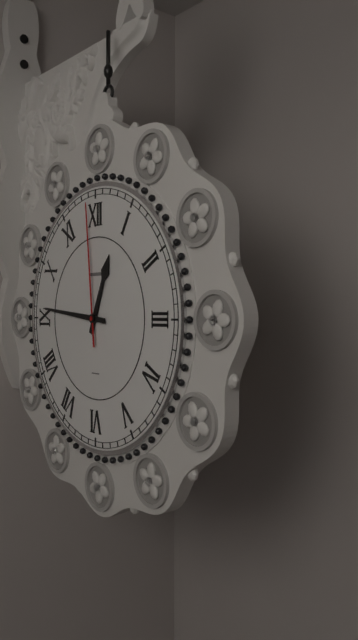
12:46:59
